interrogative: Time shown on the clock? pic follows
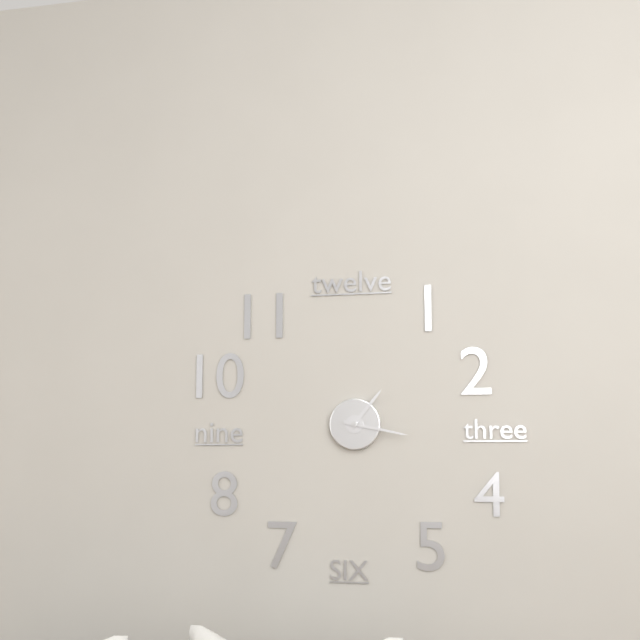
1:17
